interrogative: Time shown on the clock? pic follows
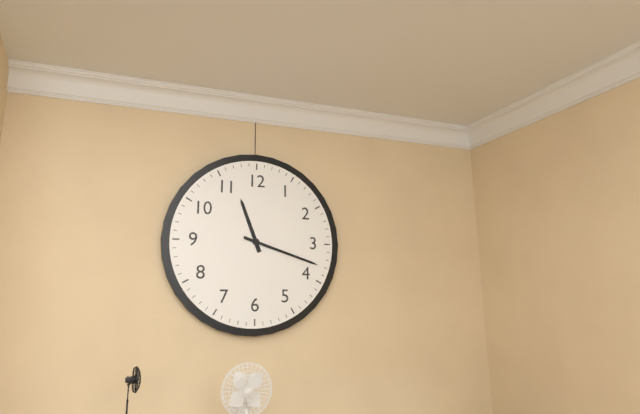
11:18
